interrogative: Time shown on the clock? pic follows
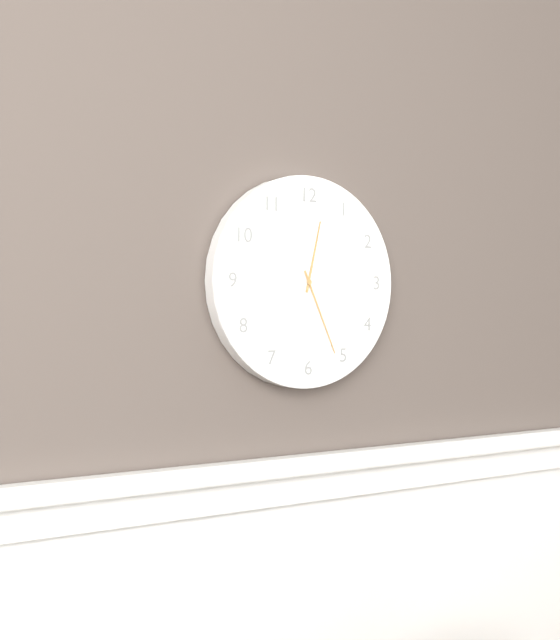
12:26
